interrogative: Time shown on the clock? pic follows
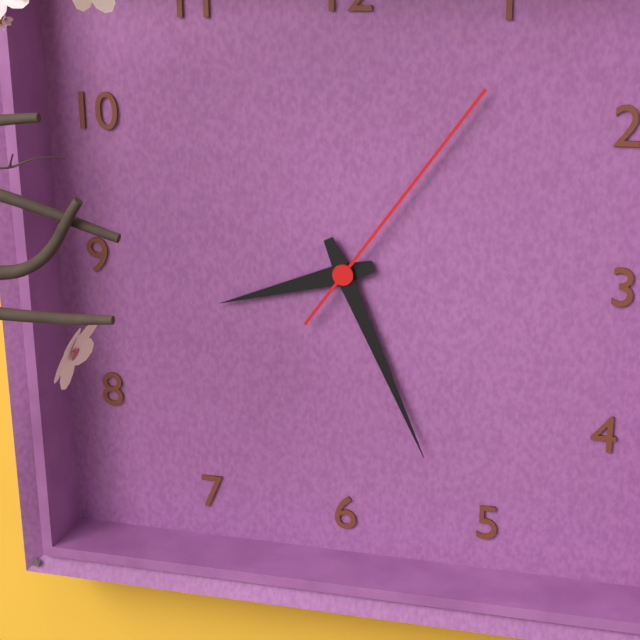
8:26:06
